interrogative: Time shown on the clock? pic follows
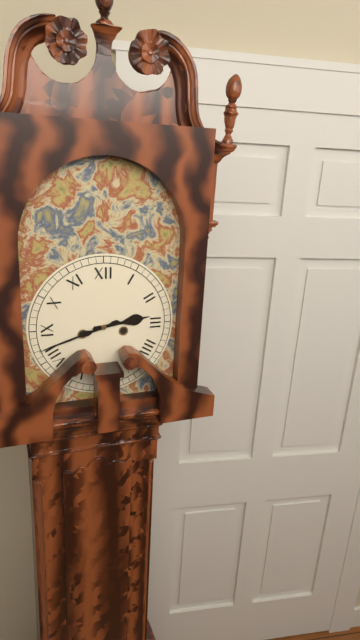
2:42
